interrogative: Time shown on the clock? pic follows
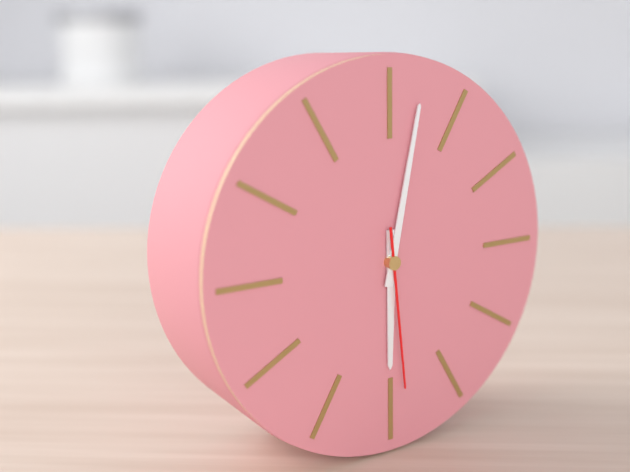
6:02:29
